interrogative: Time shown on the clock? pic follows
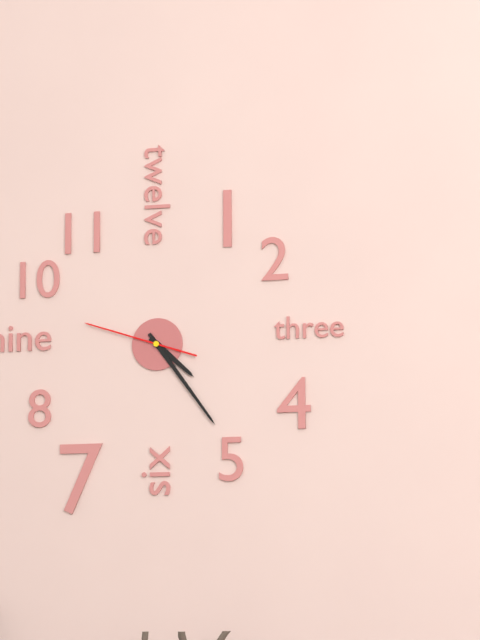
4:24:48
